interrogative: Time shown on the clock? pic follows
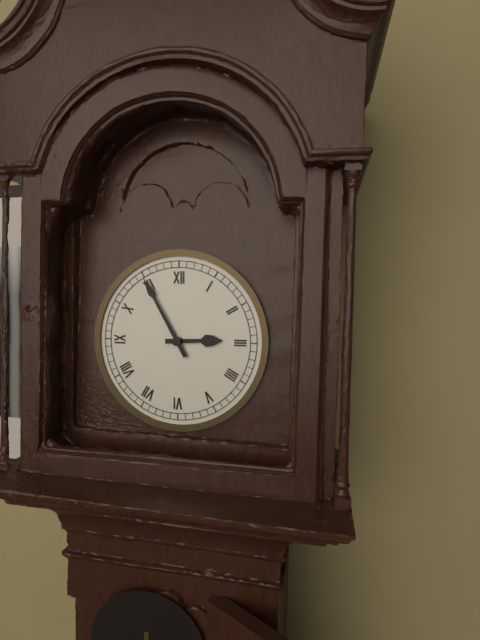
2:55
